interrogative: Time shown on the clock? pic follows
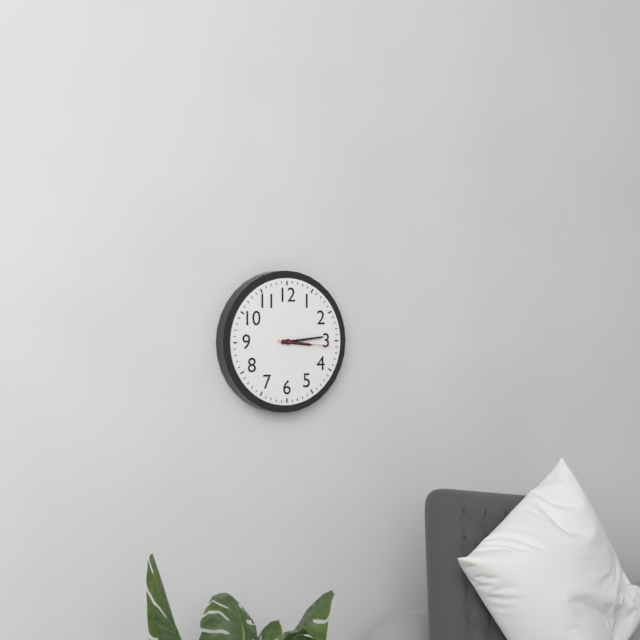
3:14:16
